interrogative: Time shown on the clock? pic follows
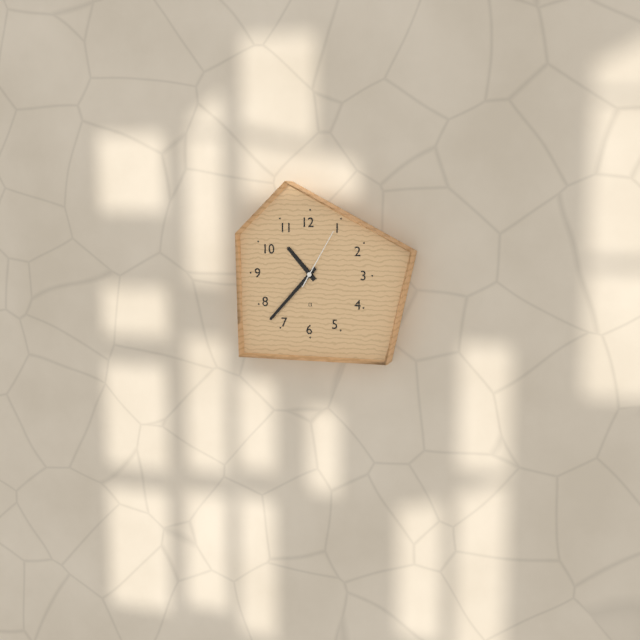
10:37:05
